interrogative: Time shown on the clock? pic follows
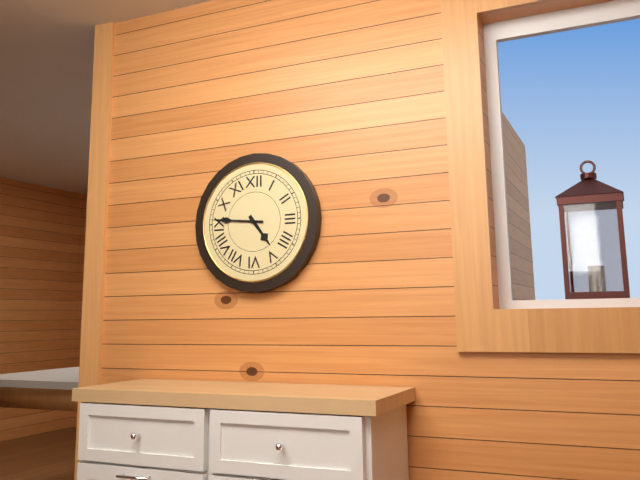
4:46
